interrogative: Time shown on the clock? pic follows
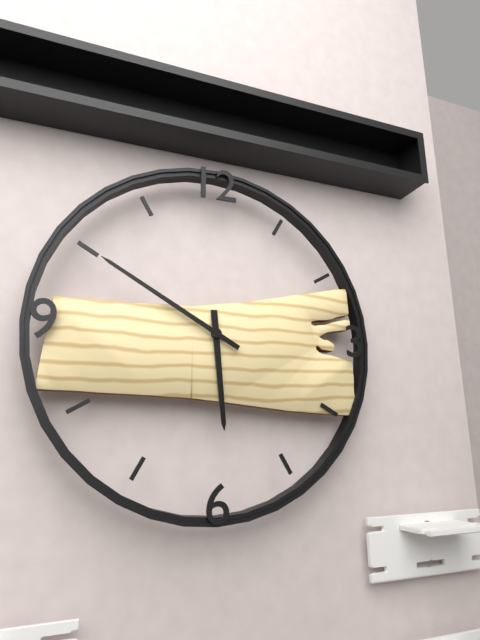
5:50
